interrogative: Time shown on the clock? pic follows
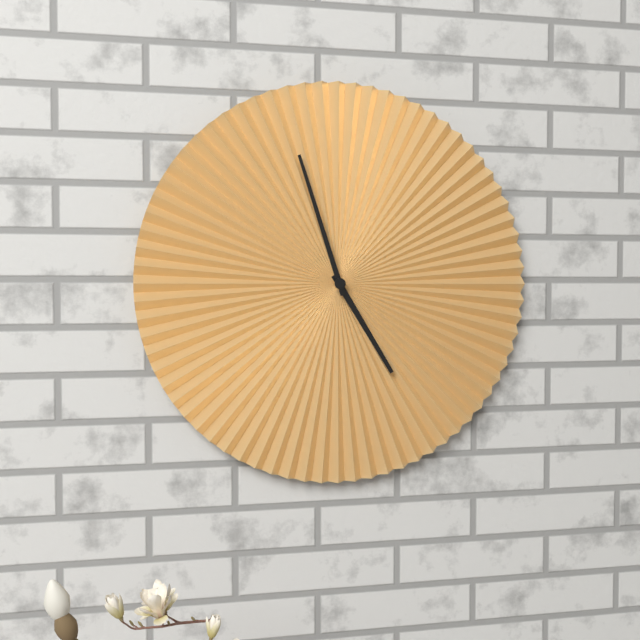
4:57
